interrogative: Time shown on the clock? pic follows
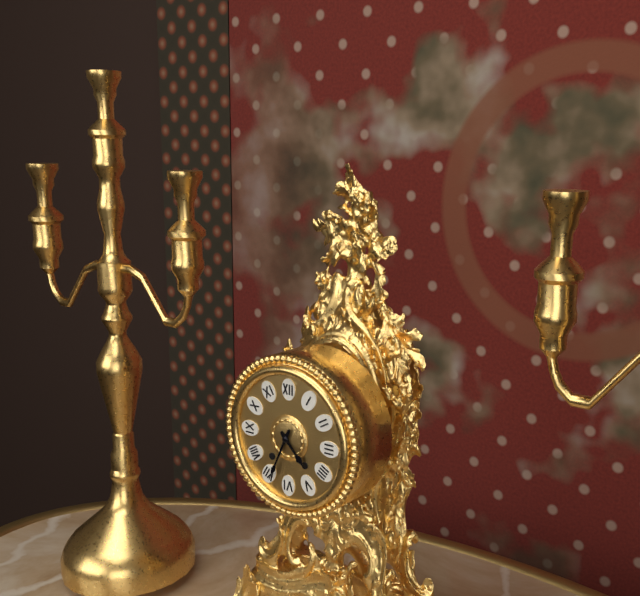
4:34
